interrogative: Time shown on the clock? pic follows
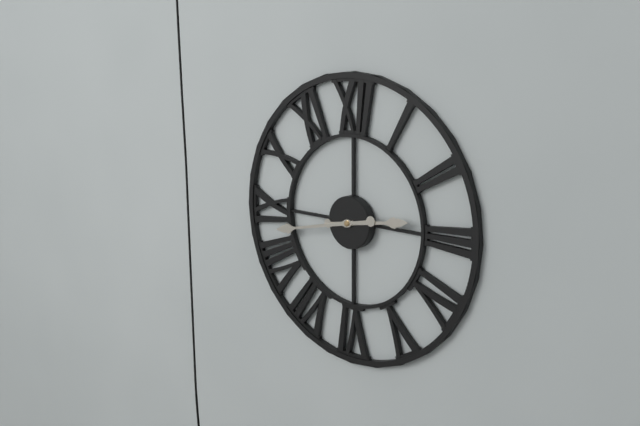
2:43
